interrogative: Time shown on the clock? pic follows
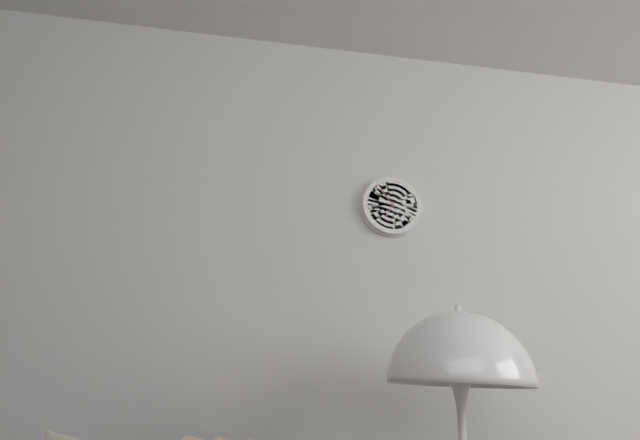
6:54
